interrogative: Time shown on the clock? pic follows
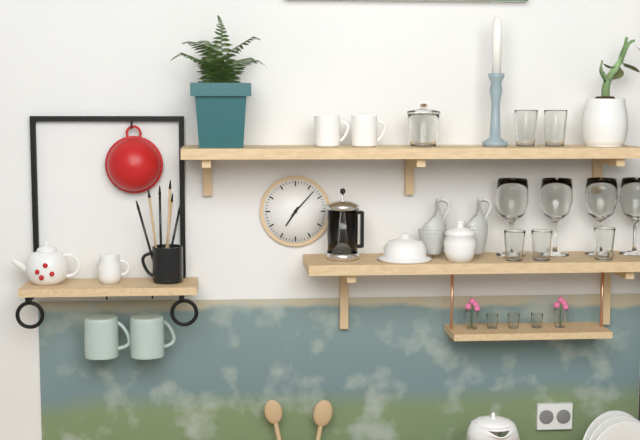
7:07
